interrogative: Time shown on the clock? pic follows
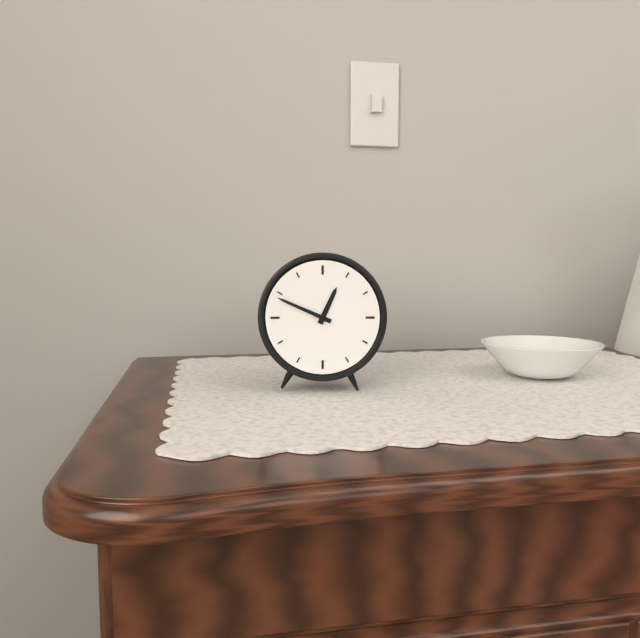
12:49
